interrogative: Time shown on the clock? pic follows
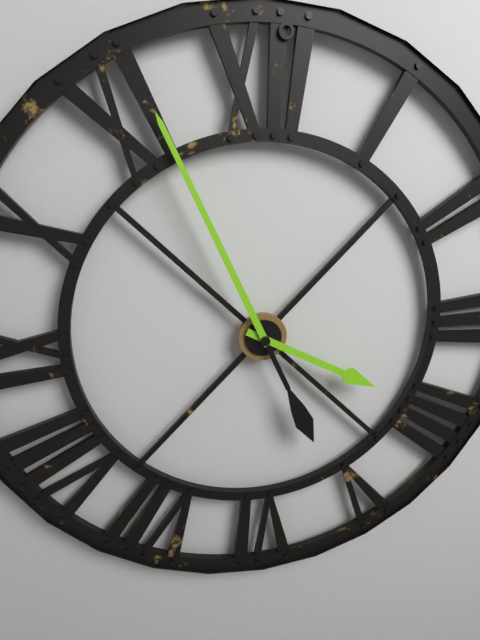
3:56
